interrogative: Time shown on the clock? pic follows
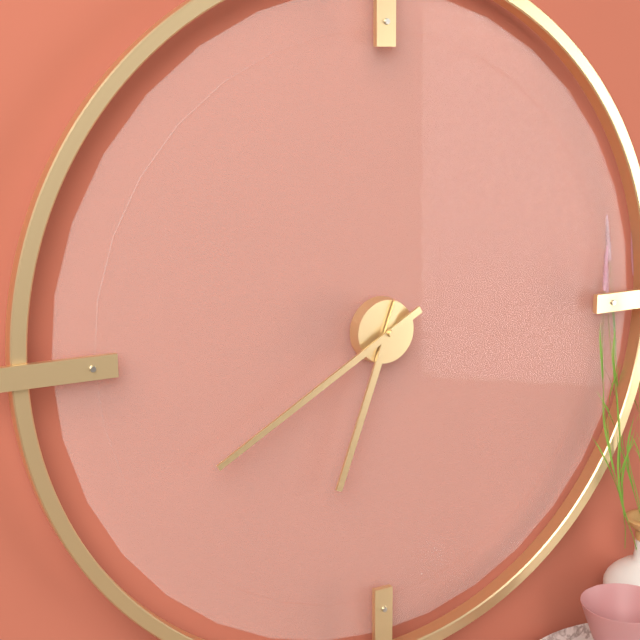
6:40
